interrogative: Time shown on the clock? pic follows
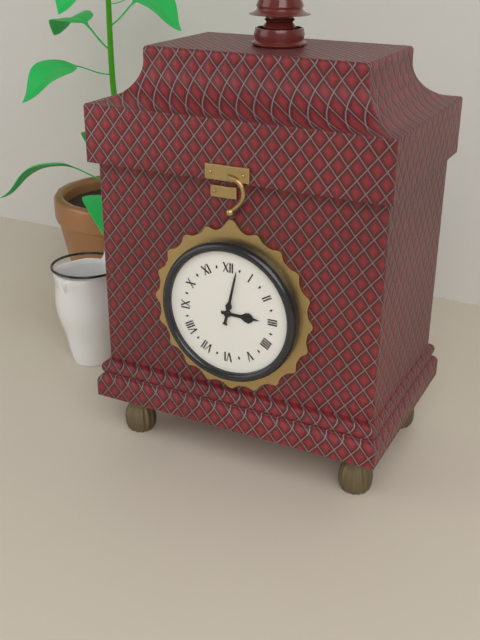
3:02
